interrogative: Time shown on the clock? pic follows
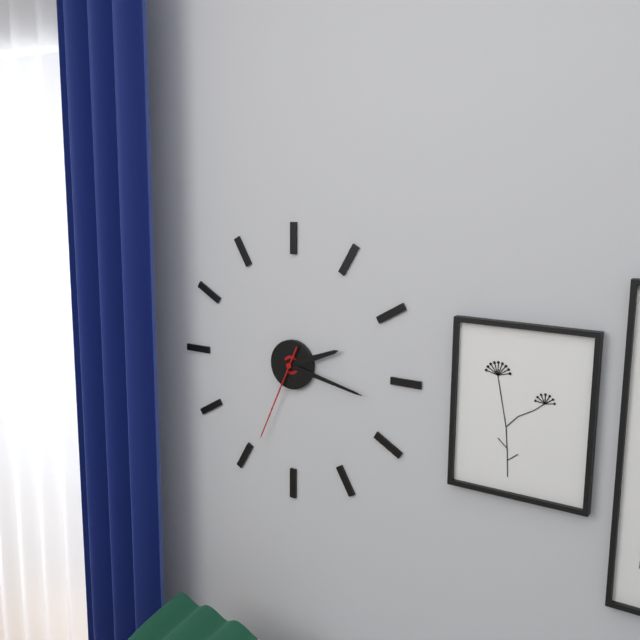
2:17:34
